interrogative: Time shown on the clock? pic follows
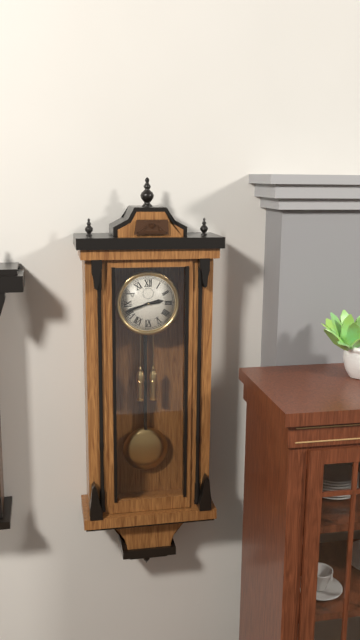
2:42
